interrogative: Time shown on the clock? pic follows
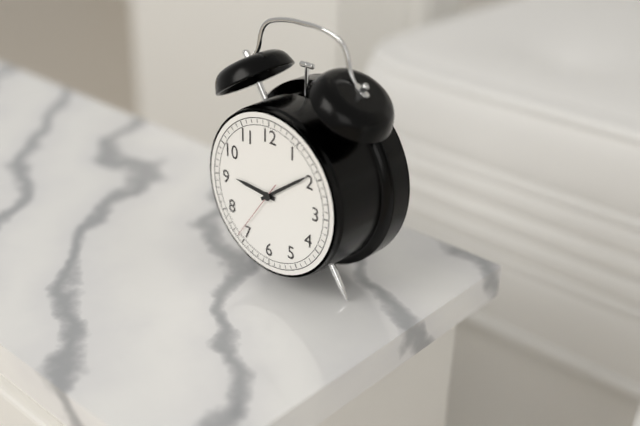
9:09:36
